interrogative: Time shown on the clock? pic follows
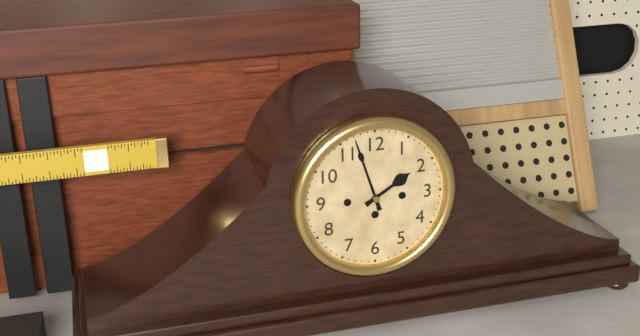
1:57
